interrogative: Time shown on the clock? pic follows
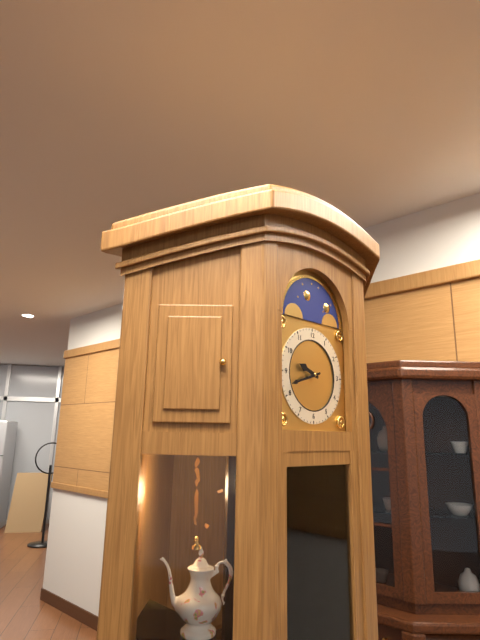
9:42
